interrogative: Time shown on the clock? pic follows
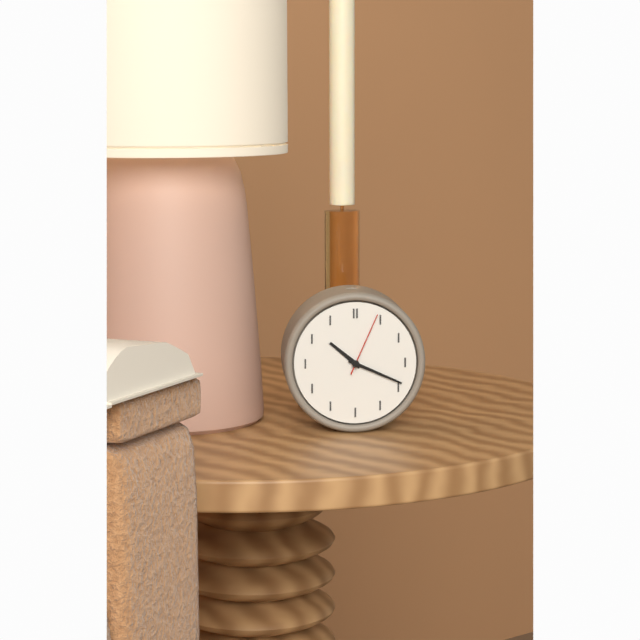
10:19:04
